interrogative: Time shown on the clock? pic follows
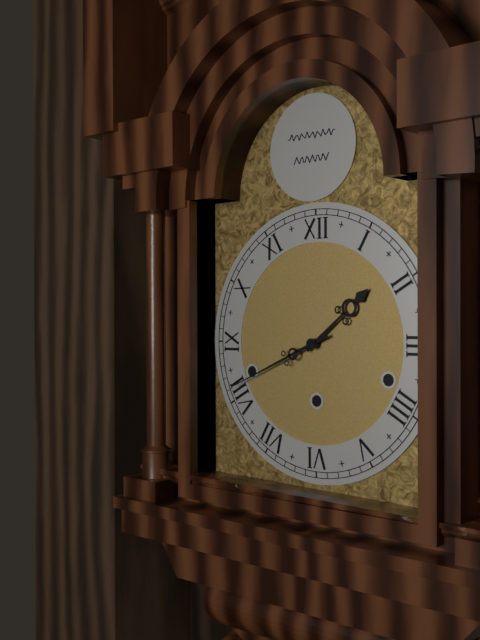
1:41
